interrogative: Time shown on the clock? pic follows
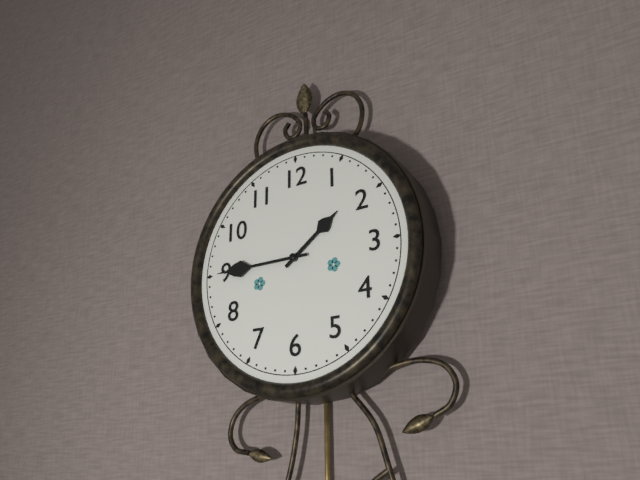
1:45
